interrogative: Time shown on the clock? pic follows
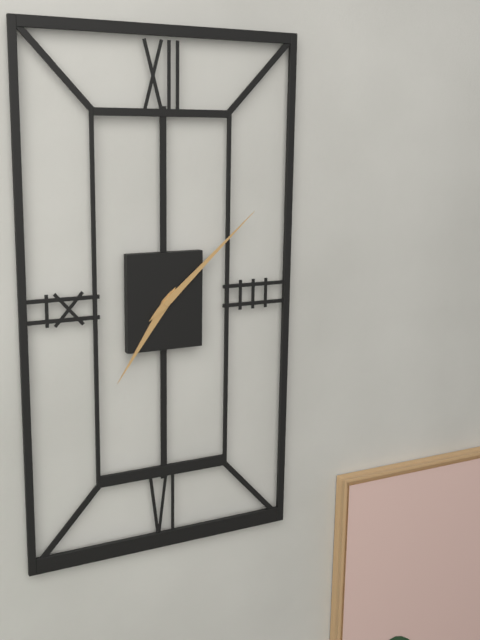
7:08
